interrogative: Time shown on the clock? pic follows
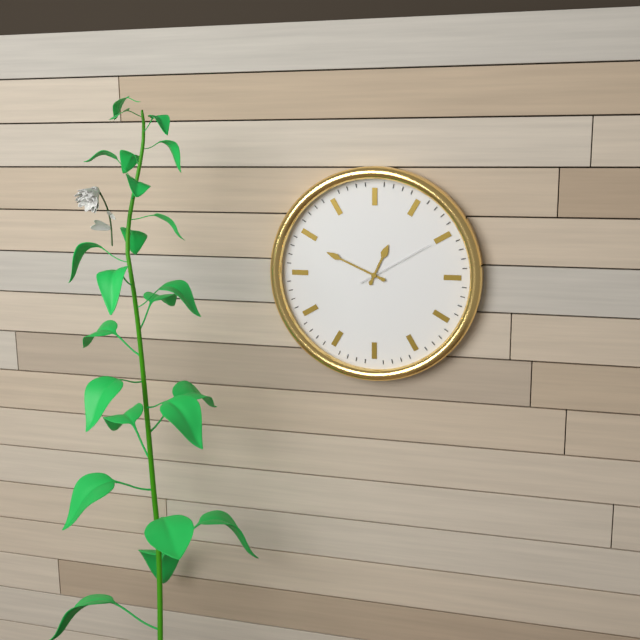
12:49:10
